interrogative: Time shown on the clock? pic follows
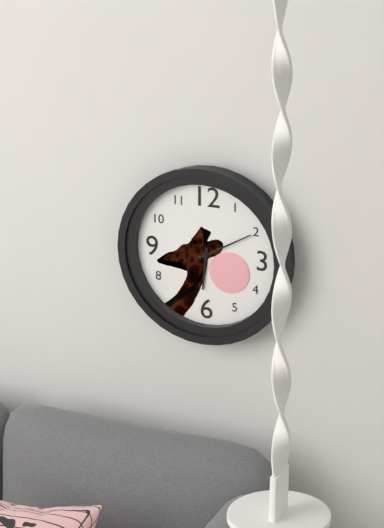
6:10
